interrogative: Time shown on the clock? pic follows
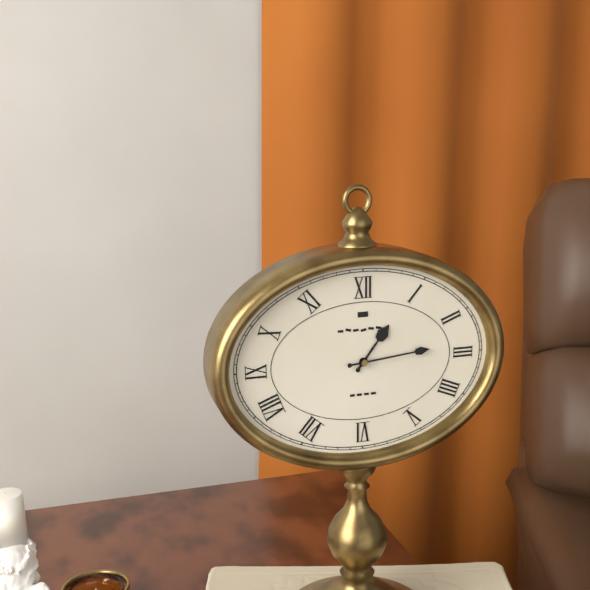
1:14
